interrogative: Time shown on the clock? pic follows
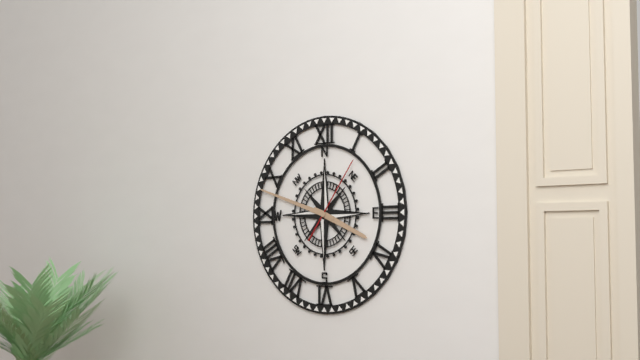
3:48:06
